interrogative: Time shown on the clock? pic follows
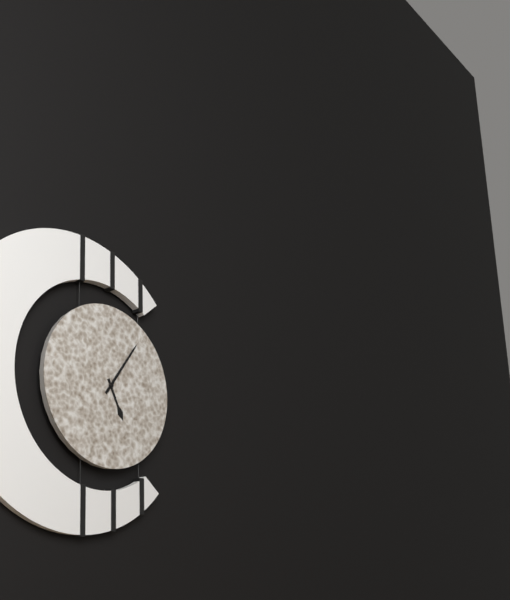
5:06
